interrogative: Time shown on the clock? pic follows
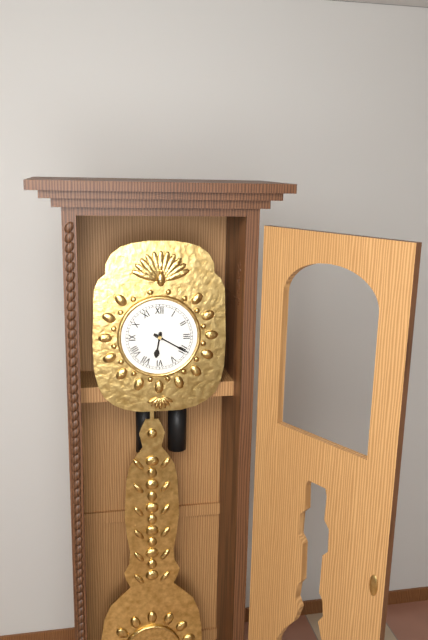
6:20
